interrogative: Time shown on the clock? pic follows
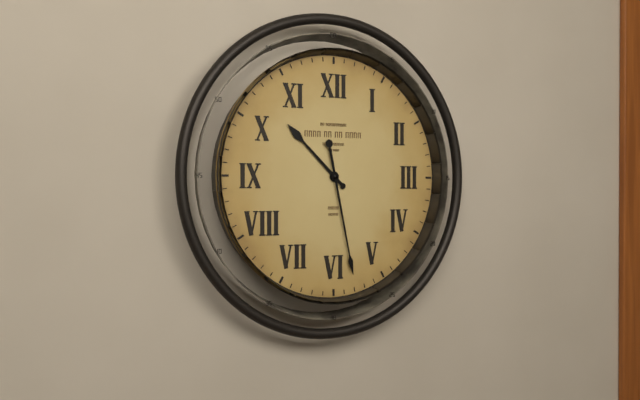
10:28
